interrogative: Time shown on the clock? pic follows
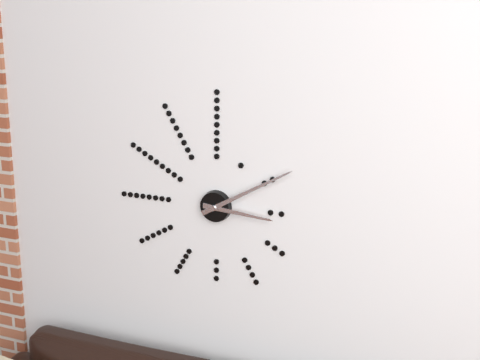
3:10
